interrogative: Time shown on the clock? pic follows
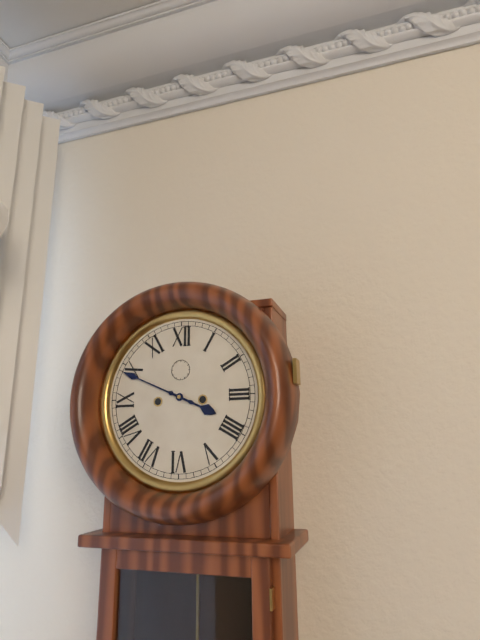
3:49
